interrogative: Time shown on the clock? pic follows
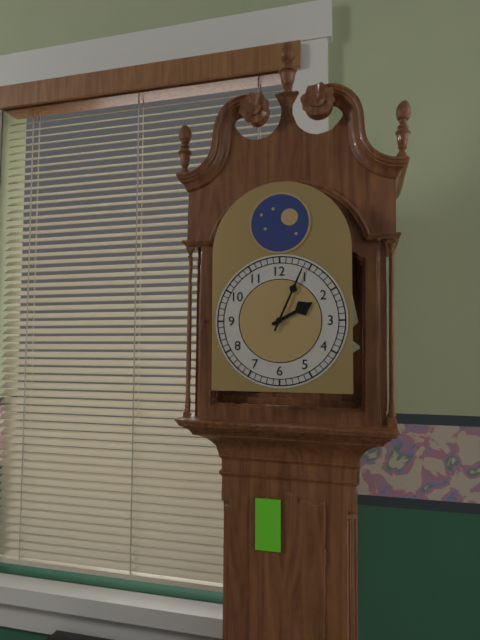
2:04
